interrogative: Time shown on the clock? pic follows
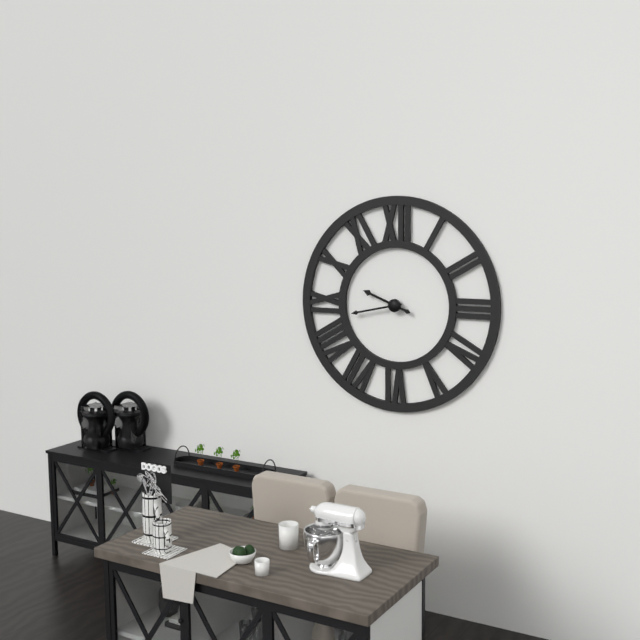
9:43
